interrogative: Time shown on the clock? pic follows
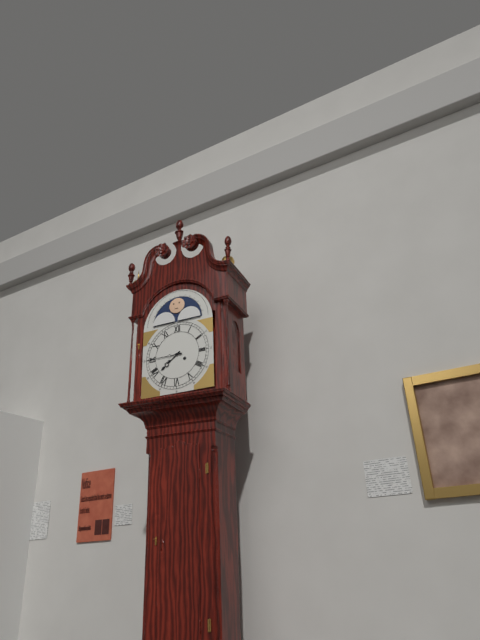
7:45
